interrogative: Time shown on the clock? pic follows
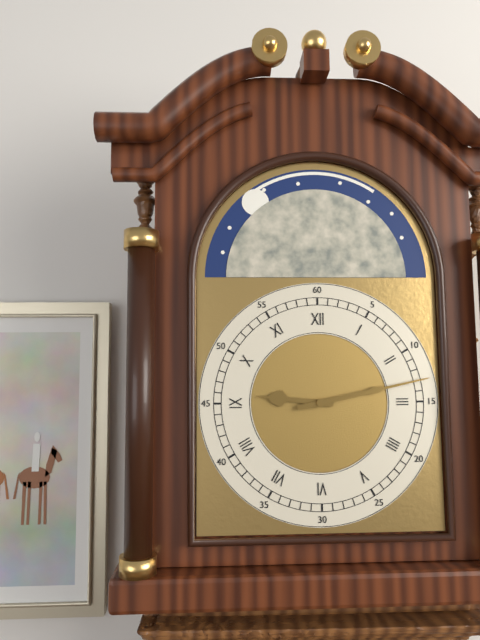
9:13
